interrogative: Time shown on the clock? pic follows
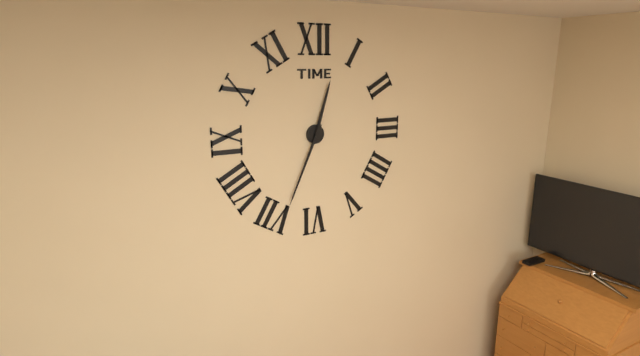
12:34
